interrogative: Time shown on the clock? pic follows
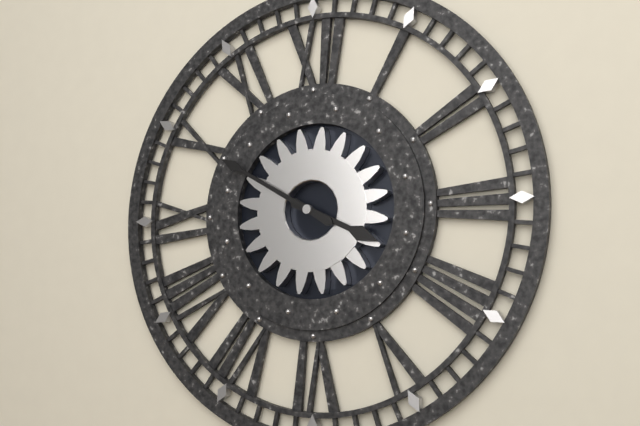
3:50
